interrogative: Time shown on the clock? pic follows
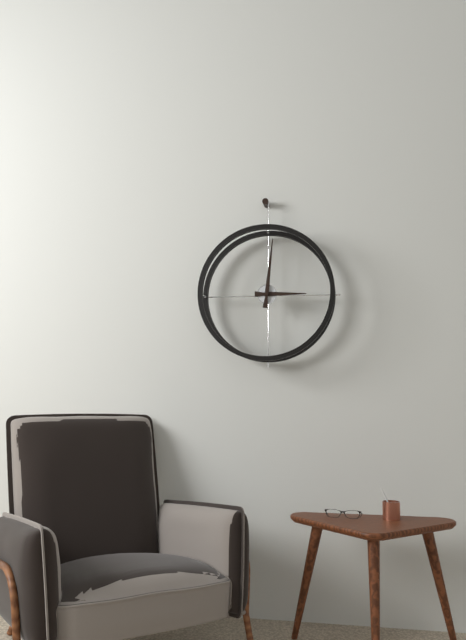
3:01
